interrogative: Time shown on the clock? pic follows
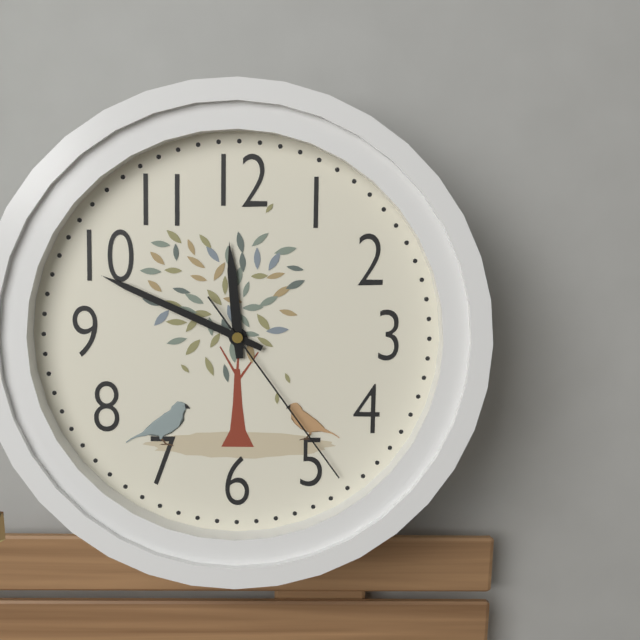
11:49:24
